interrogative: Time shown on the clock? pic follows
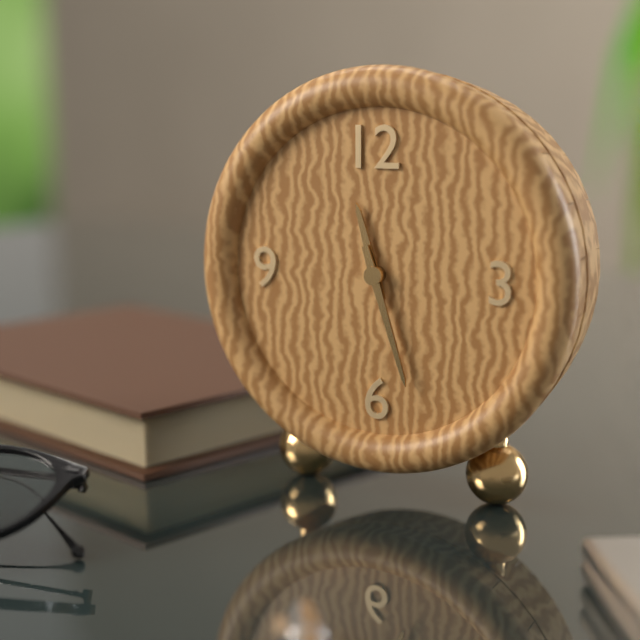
11:27
